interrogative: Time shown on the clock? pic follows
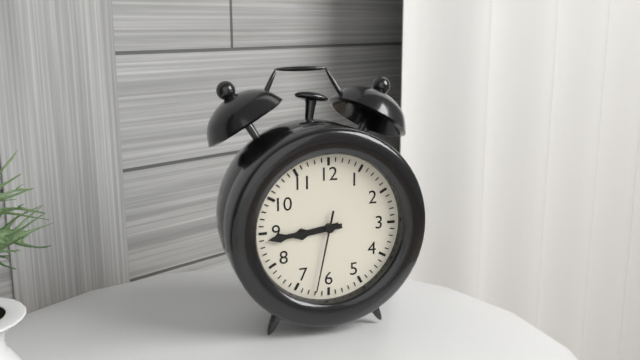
8:44:32
